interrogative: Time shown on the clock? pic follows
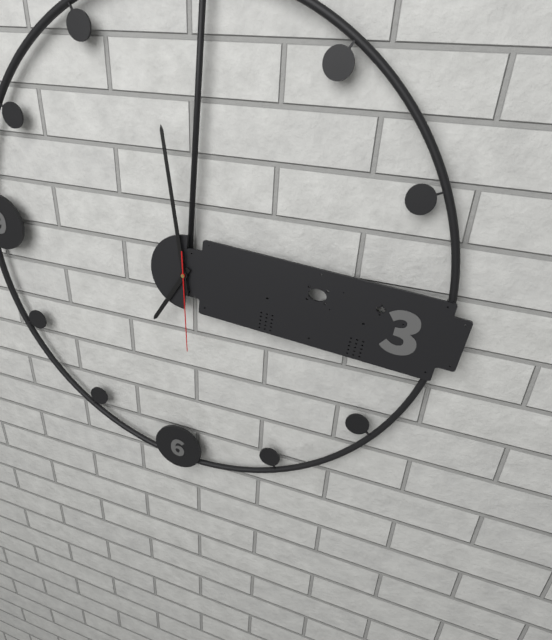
6:58:29
